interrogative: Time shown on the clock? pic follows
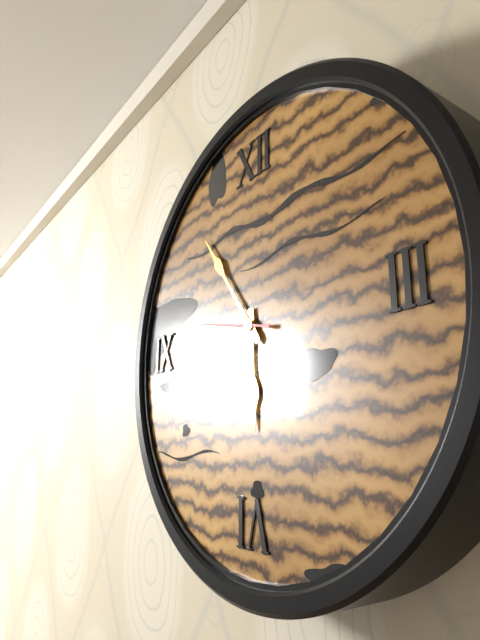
5:54:47
